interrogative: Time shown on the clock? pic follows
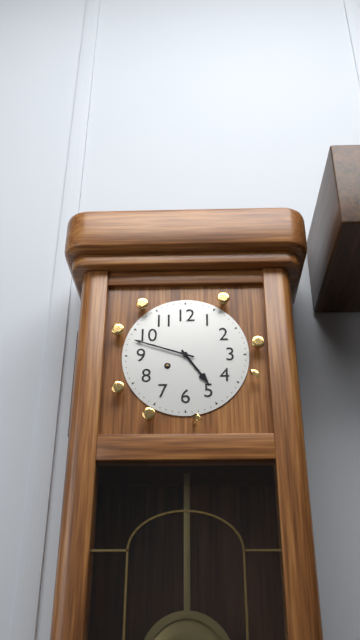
4:48
